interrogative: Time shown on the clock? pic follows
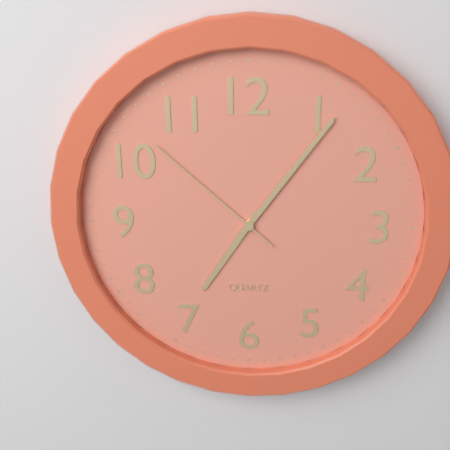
7:06:52
